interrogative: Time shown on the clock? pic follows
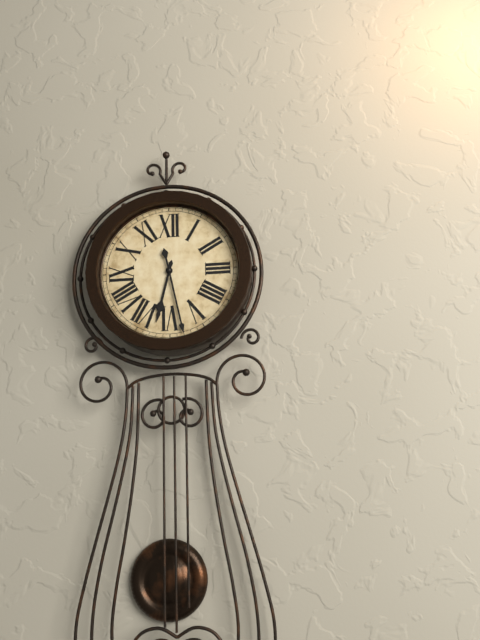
6:28
